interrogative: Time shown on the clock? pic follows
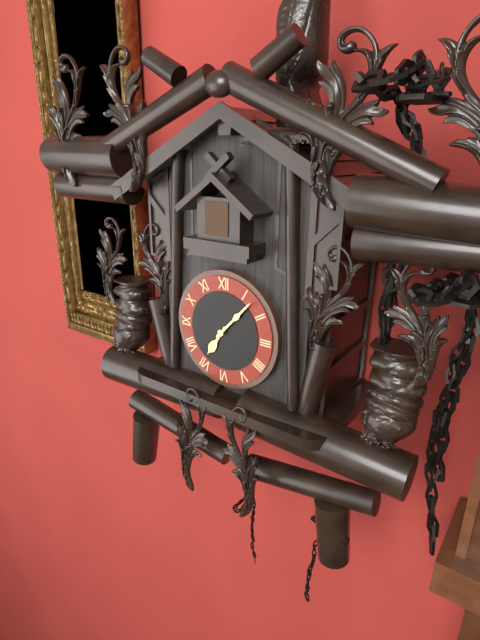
7:07
